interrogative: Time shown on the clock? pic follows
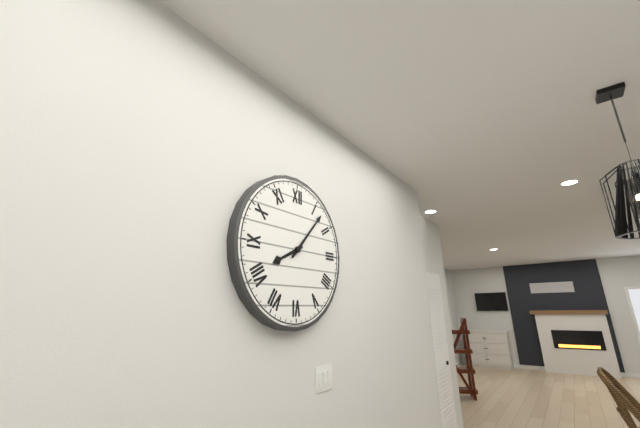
8:07
